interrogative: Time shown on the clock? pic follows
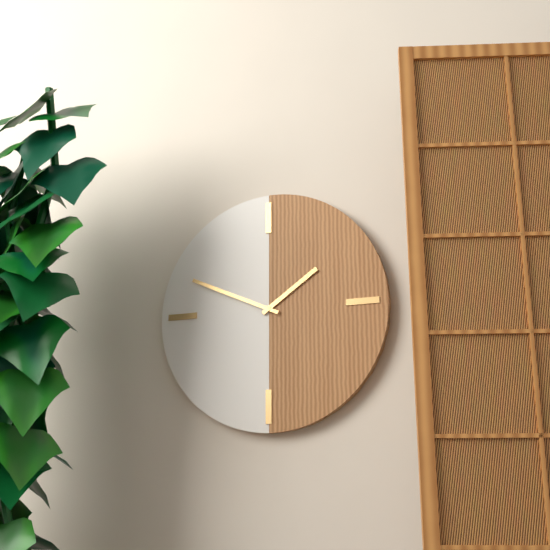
1:49
